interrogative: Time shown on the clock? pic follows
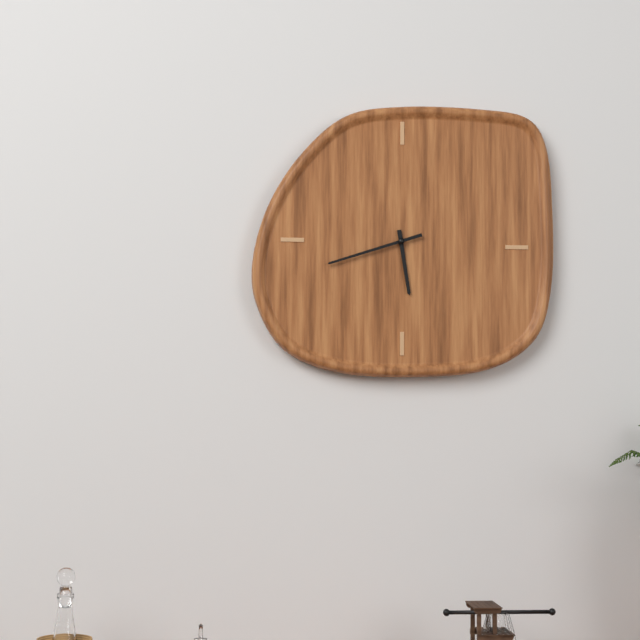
5:42
